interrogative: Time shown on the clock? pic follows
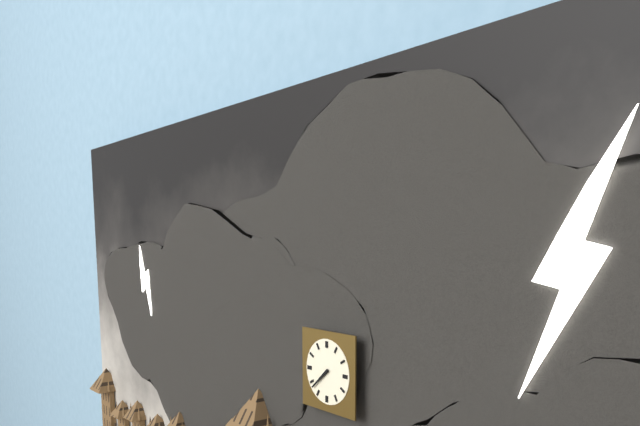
7:38
